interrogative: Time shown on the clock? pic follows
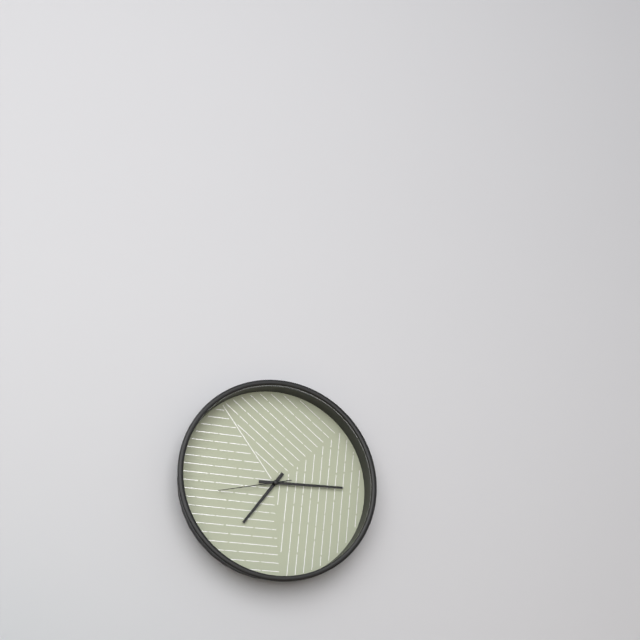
7:15:43
